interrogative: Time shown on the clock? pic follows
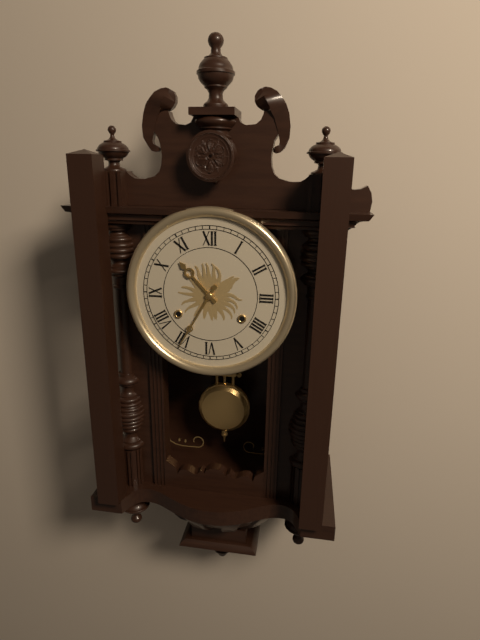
10:35
